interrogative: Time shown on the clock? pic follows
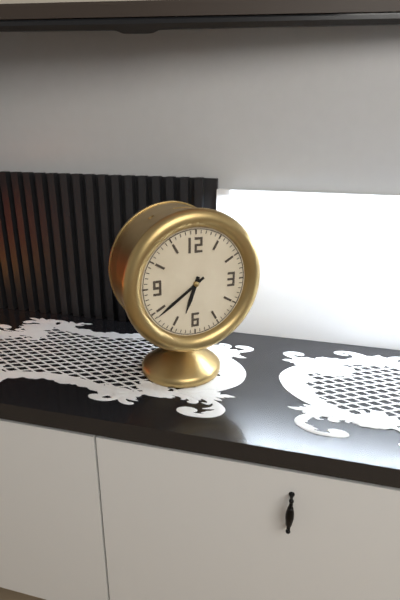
6:39
